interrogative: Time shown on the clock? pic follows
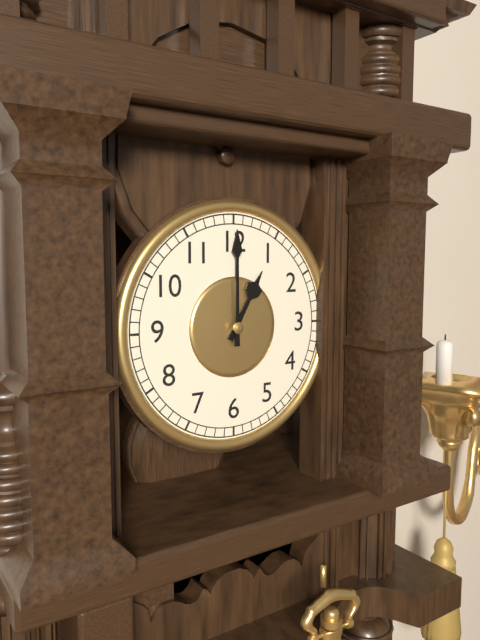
1:00
